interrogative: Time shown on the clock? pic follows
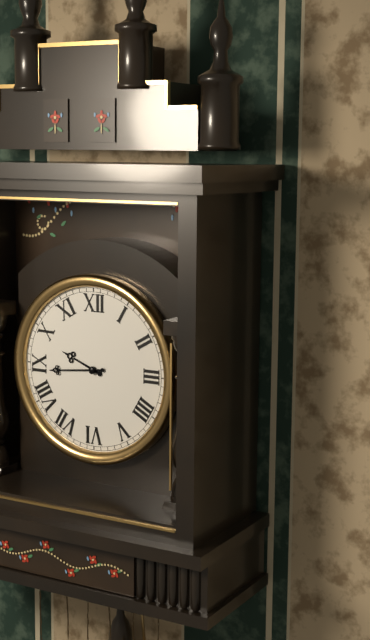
9:44
